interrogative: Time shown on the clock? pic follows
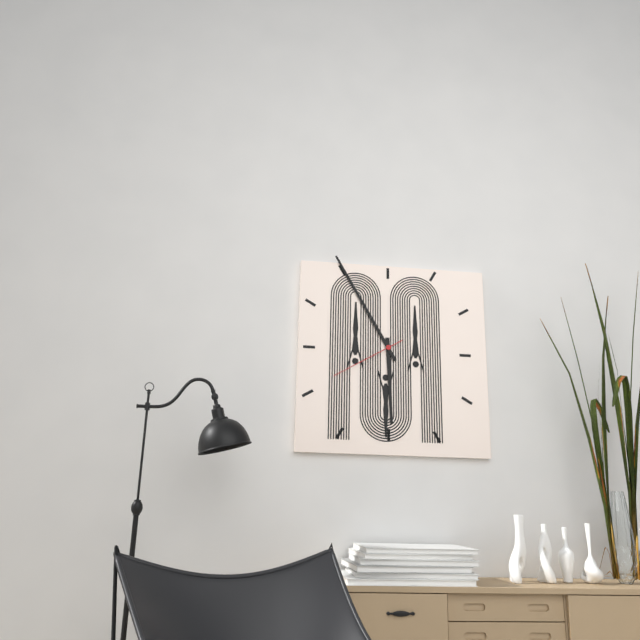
5:55:40
